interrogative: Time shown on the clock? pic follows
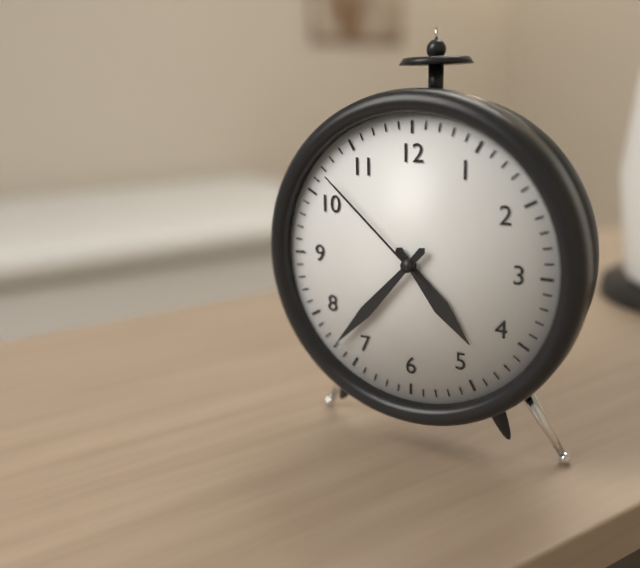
4:37:52
